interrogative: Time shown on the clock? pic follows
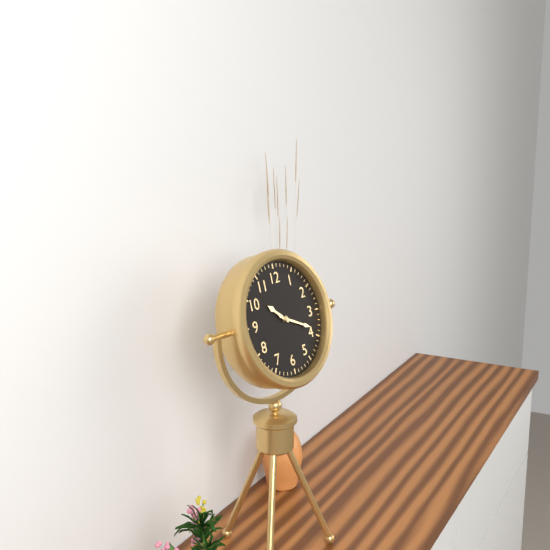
10:19
